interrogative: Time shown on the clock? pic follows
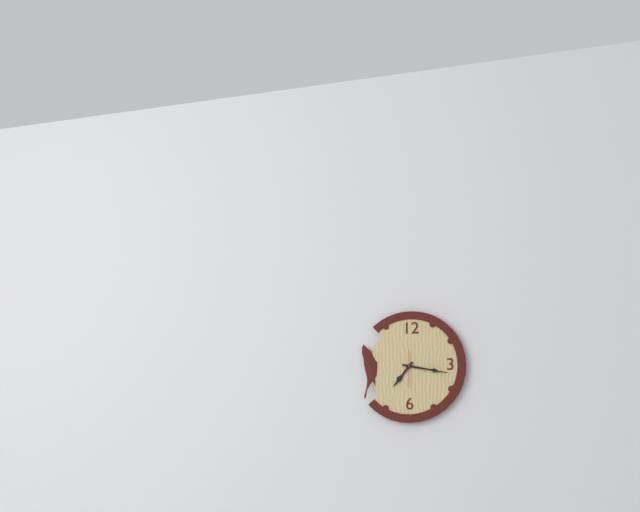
7:17
